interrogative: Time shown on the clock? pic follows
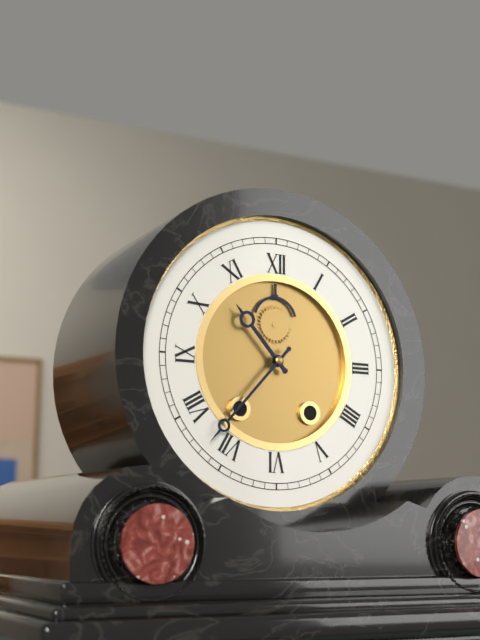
10:37
